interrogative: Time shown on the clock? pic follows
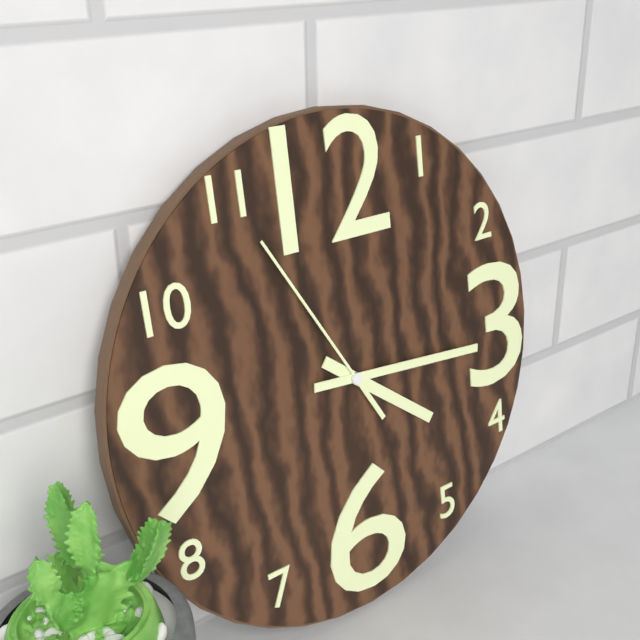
4:16:55
